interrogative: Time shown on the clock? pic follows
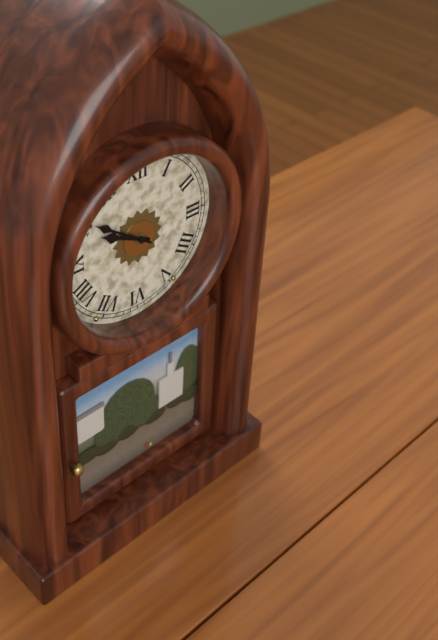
9:51
